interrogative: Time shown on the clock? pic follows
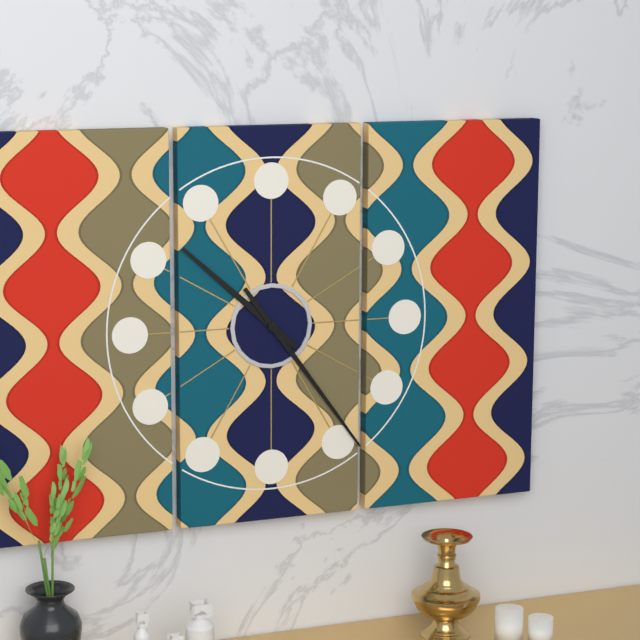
10:24
